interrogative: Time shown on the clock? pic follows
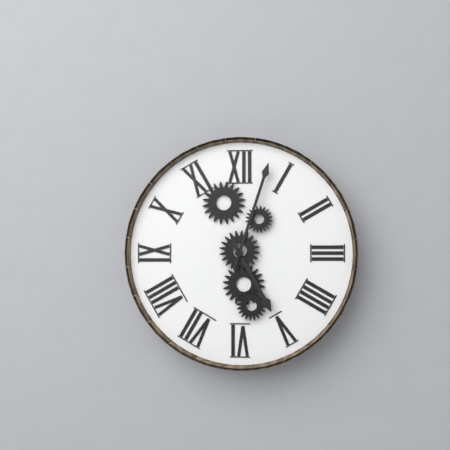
5:03
